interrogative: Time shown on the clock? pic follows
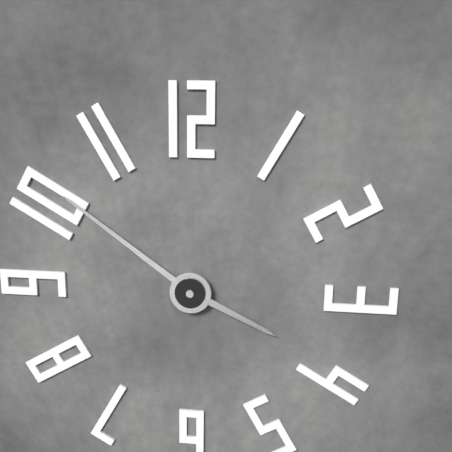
3:51
